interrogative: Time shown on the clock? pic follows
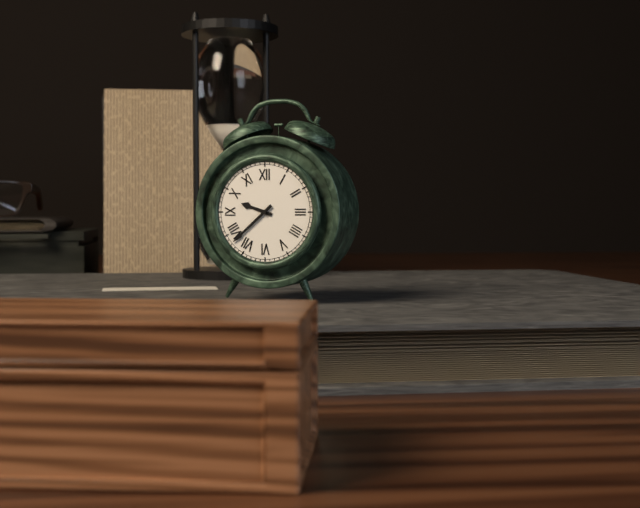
9:38
